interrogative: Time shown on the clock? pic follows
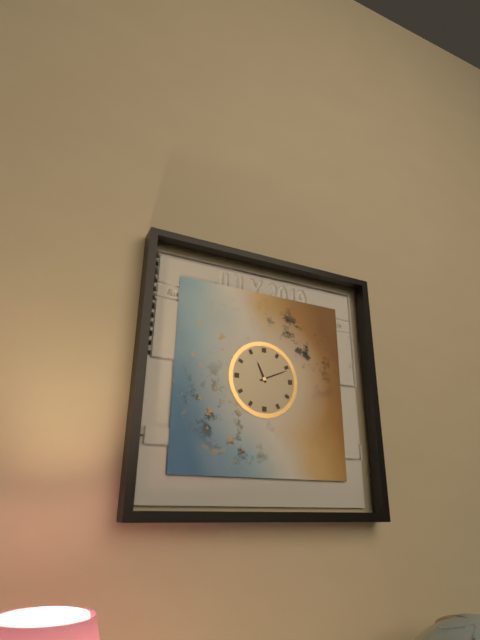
11:11
